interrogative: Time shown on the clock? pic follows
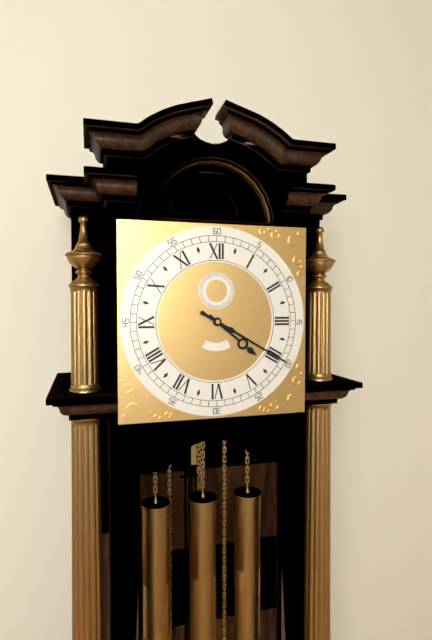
4:20
